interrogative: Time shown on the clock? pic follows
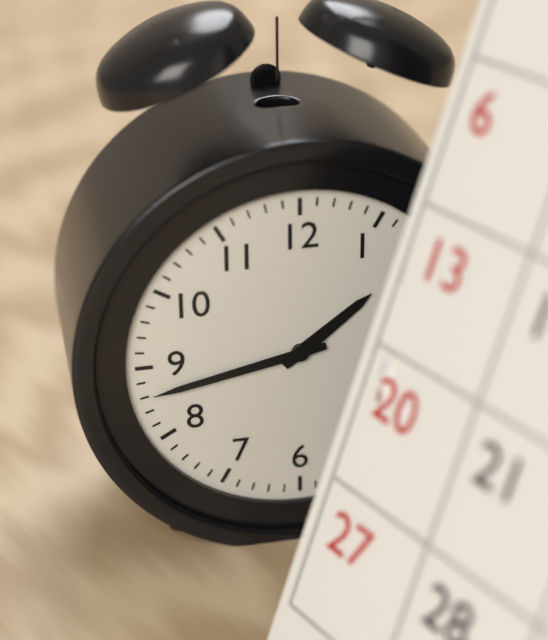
1:43
